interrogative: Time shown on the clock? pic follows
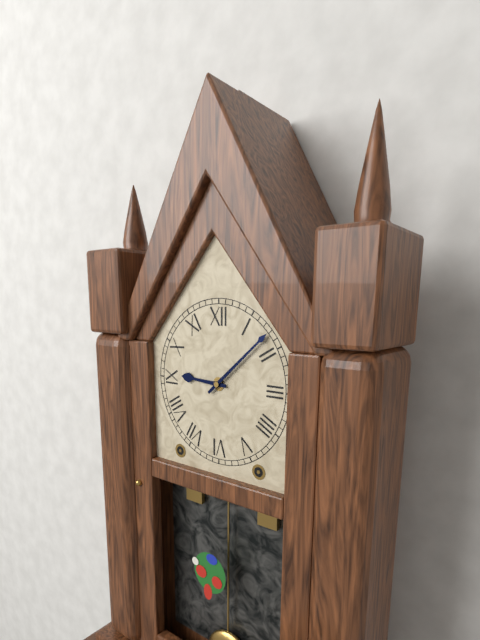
9:08
